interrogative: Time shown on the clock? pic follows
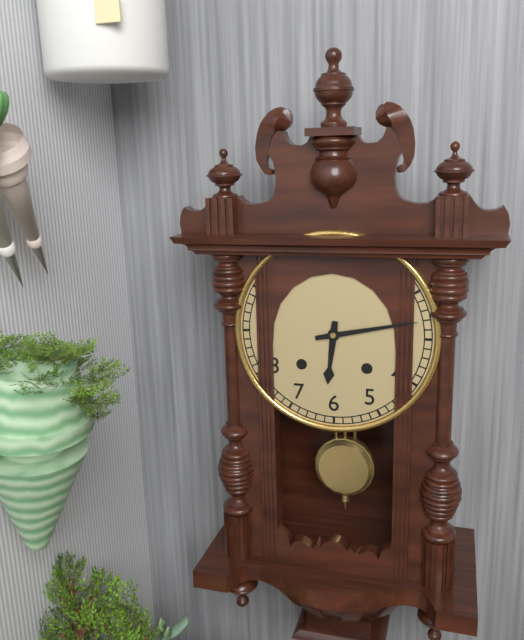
6:13
